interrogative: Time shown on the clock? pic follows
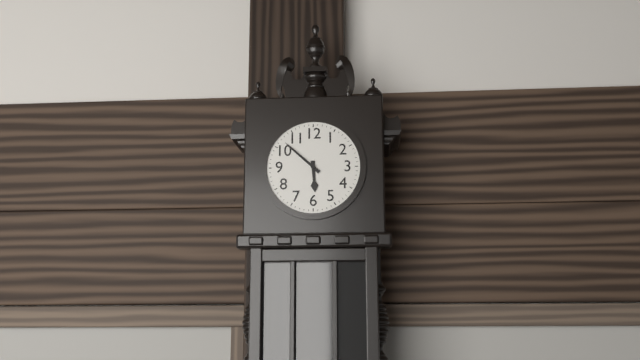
5:52
